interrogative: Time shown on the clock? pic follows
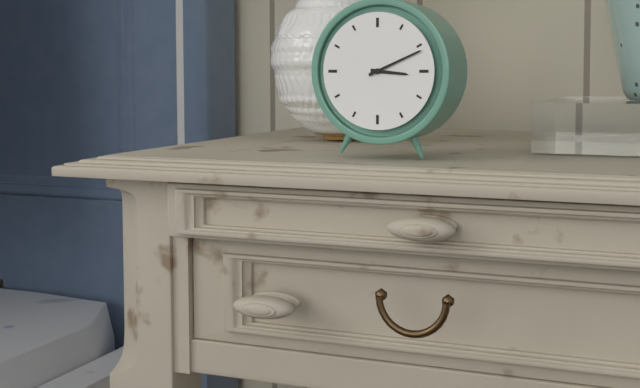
3:11
